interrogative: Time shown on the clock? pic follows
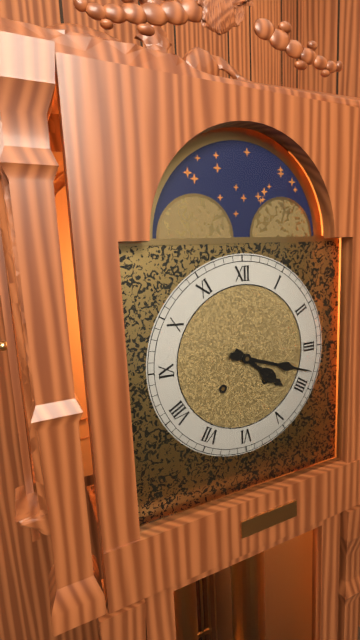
4:18
